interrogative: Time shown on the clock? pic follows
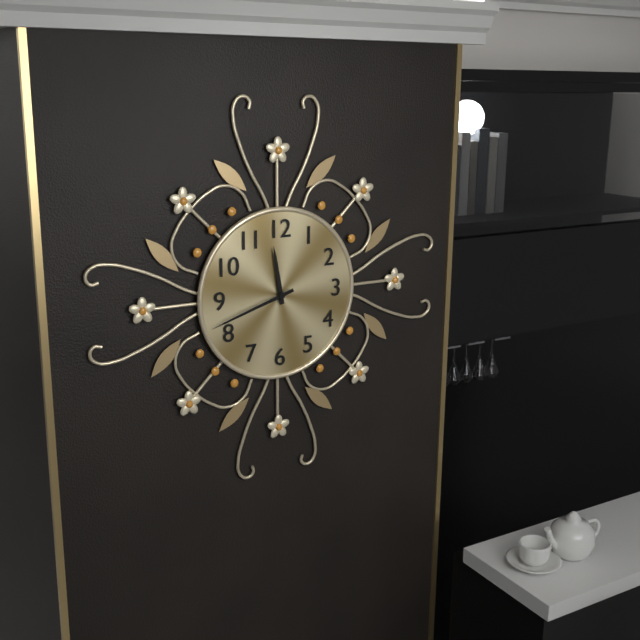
11:42
